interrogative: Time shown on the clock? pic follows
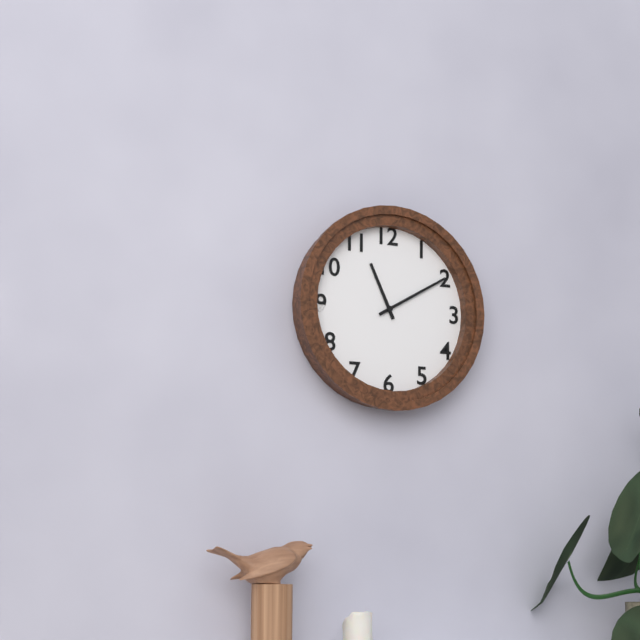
11:10
